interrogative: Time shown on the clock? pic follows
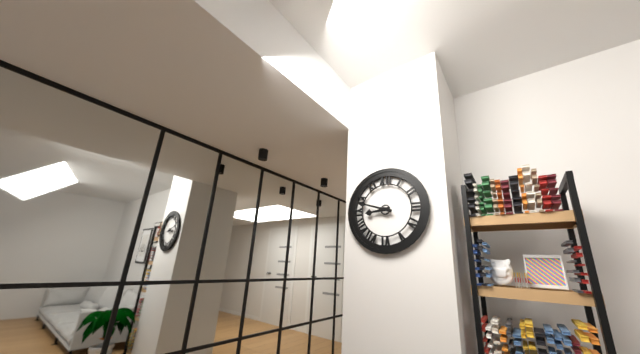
8:48
